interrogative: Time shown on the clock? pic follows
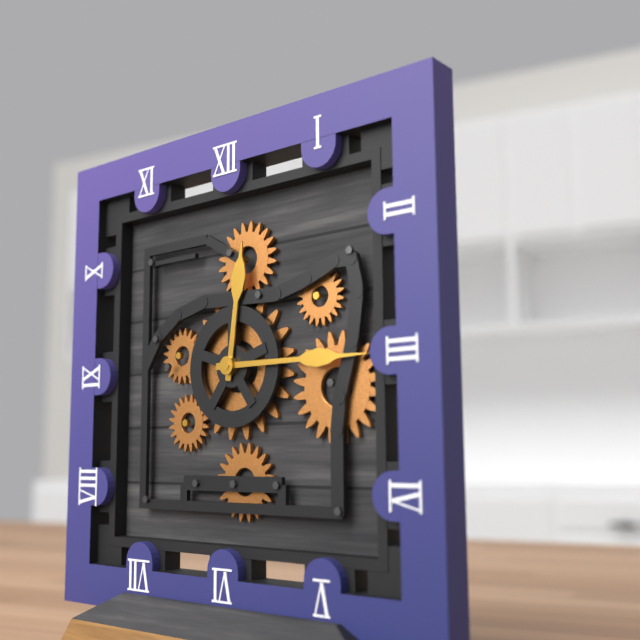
12:15
